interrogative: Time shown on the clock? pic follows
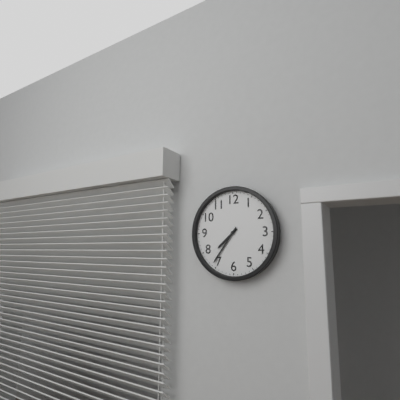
7:36
